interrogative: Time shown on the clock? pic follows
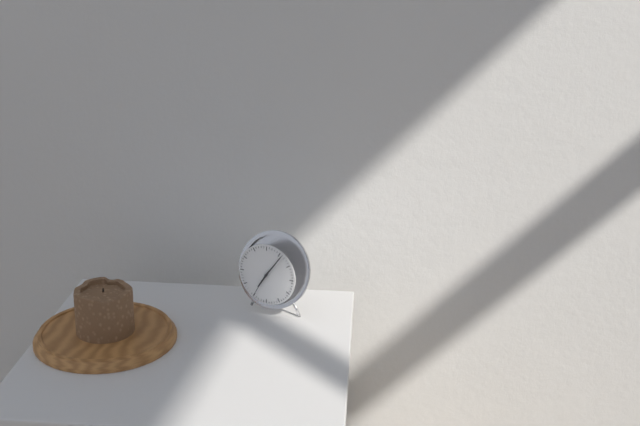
7:06
